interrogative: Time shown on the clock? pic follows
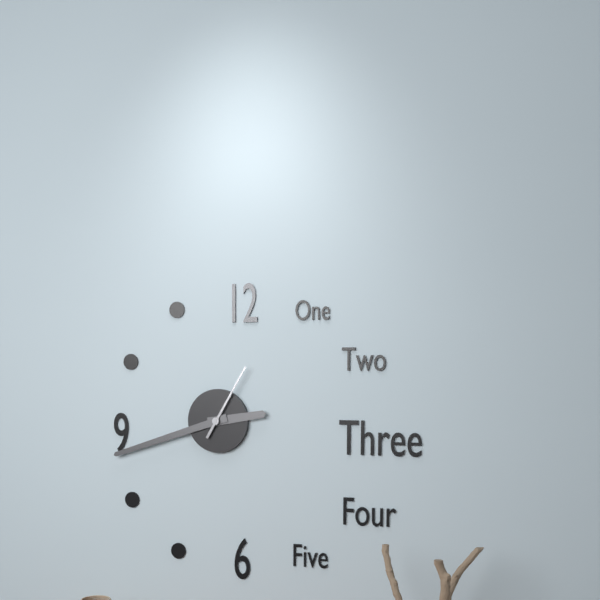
2:42:05
